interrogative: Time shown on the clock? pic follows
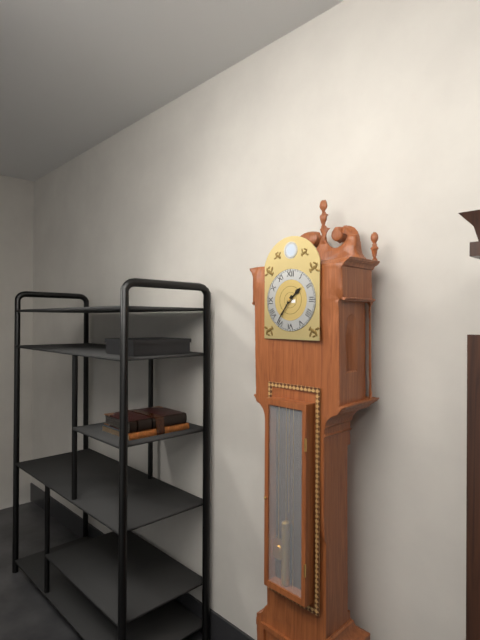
1:36
